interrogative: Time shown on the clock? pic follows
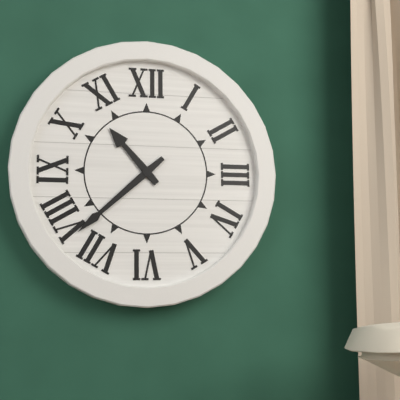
10:38
